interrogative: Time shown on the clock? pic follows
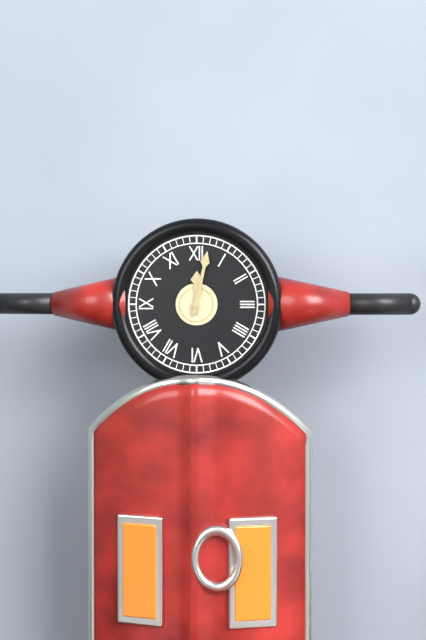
12:02
